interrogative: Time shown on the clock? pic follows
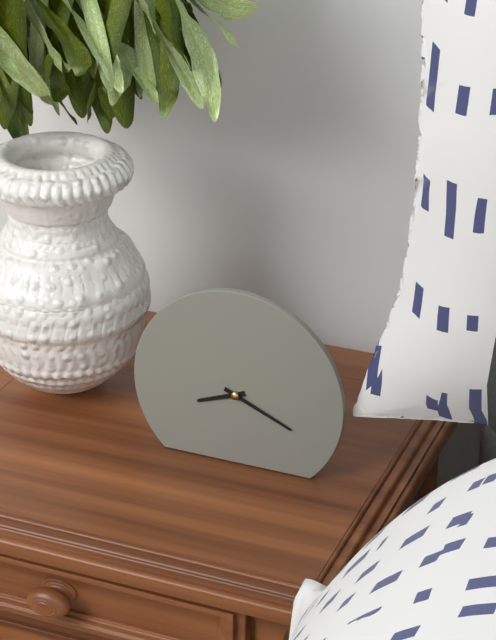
8:19
